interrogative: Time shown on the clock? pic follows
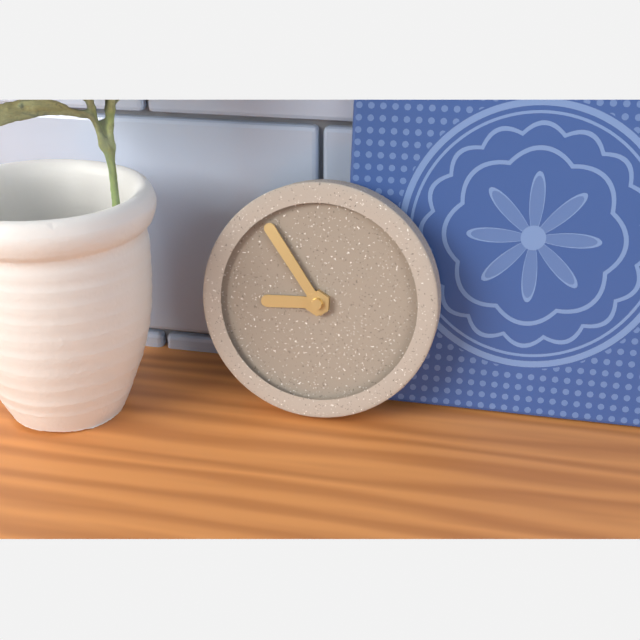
8:54
